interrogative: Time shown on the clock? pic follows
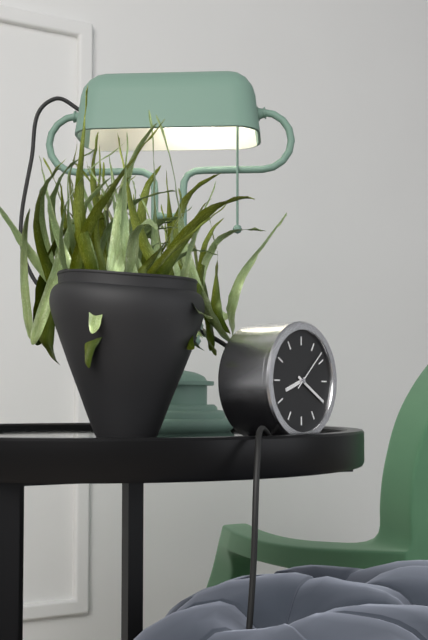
8:20:08
